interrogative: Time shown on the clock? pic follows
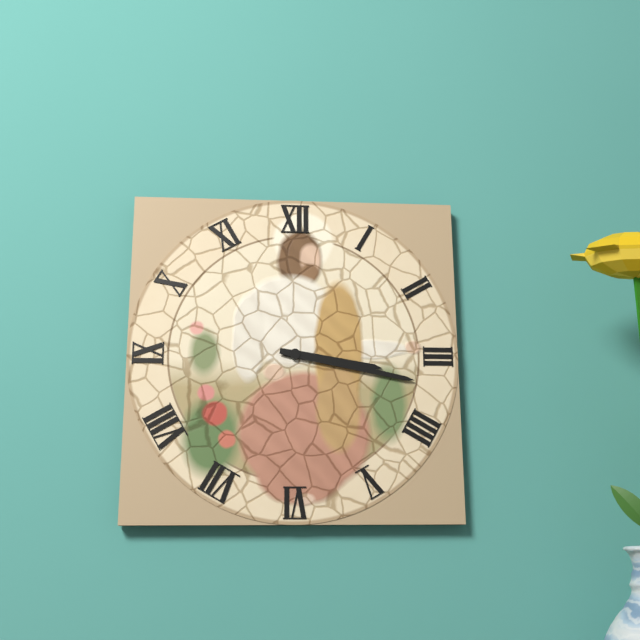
3:17
